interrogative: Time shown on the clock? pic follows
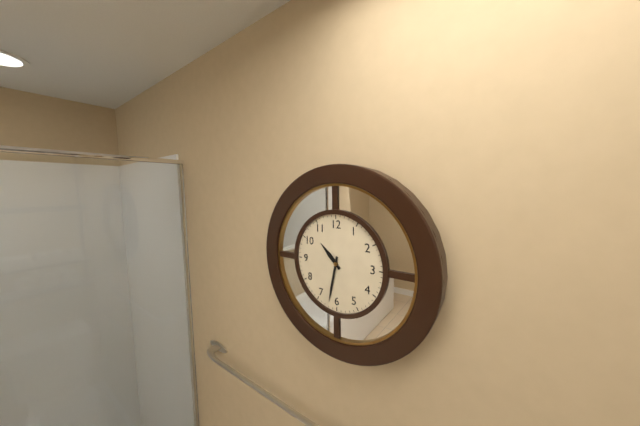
10:32
